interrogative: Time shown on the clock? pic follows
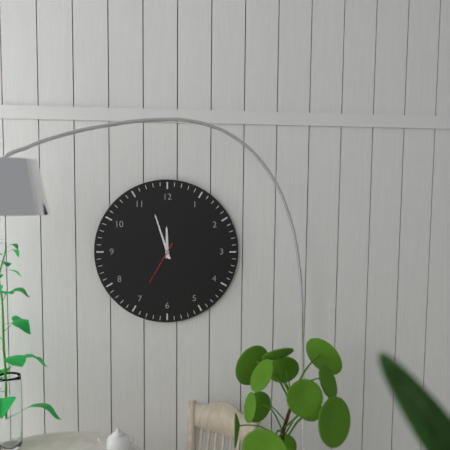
11:57
